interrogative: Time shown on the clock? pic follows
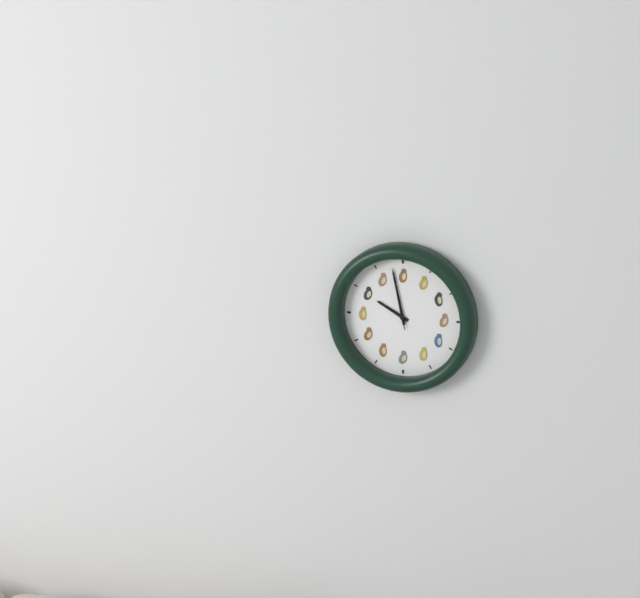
9:58:58
